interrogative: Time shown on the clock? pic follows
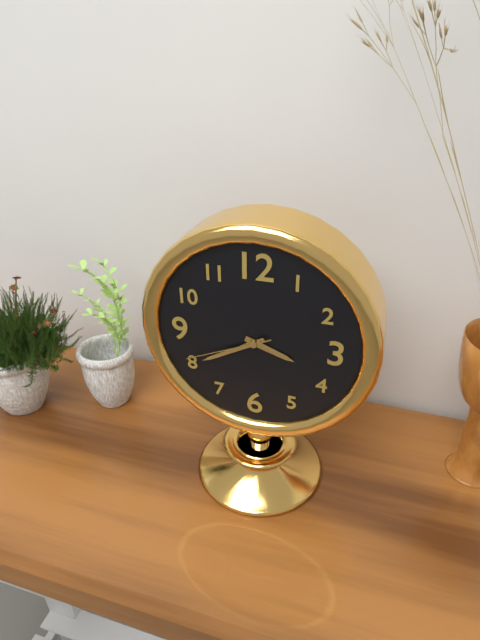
3:40:41
